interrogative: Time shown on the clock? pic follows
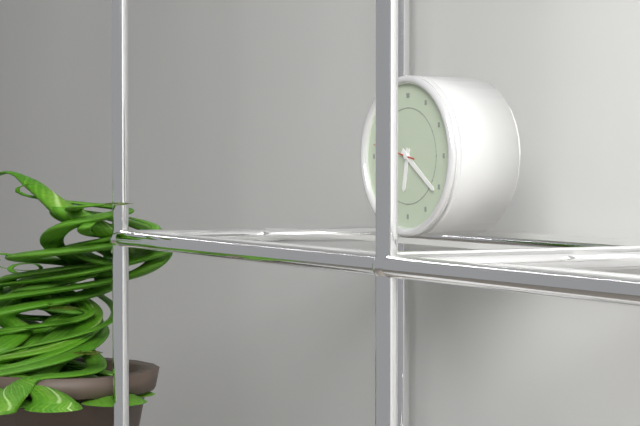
6:21
